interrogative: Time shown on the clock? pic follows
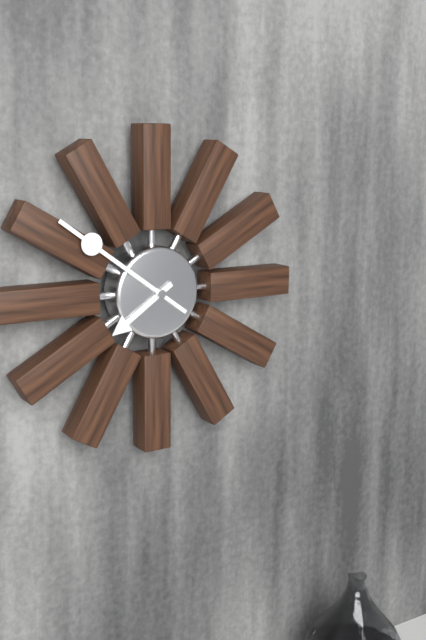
7:51
